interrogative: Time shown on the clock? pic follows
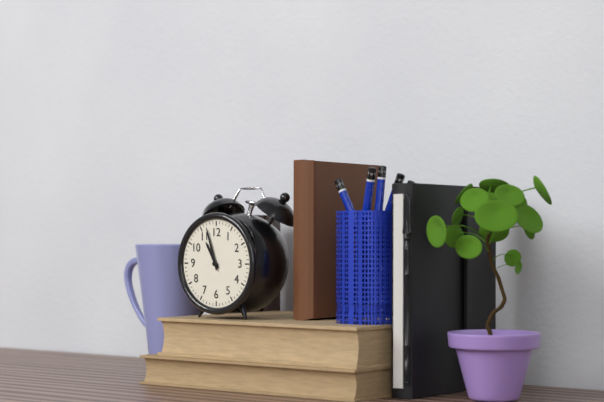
10:57
